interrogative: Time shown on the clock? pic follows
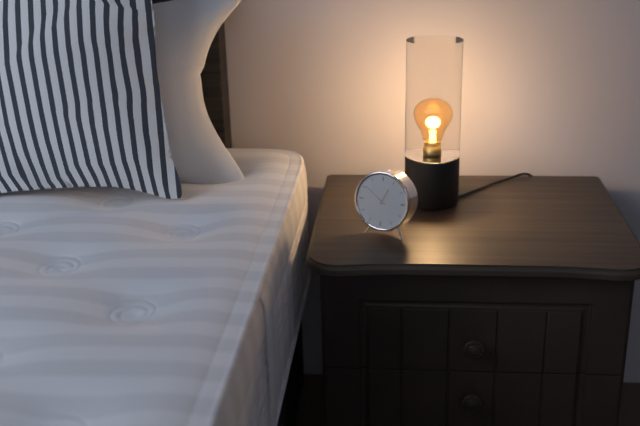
12:51
